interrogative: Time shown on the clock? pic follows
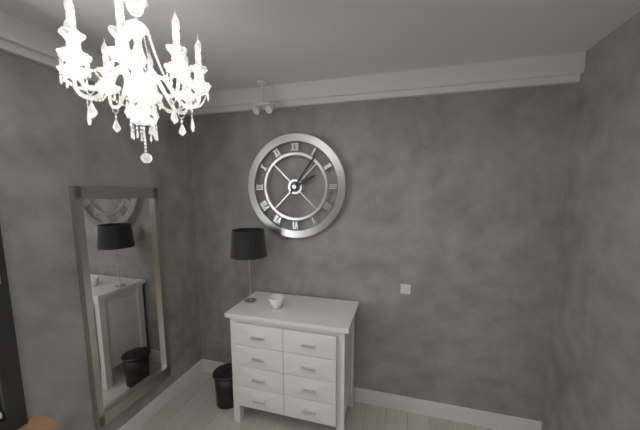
2:06
